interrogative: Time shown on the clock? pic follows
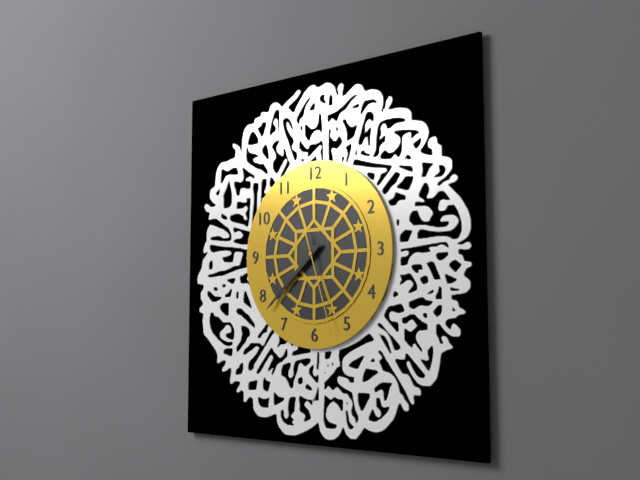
7:38:27
